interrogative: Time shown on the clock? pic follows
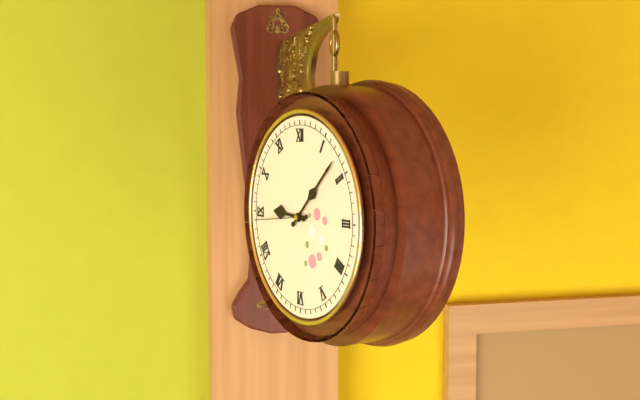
9:08:44
